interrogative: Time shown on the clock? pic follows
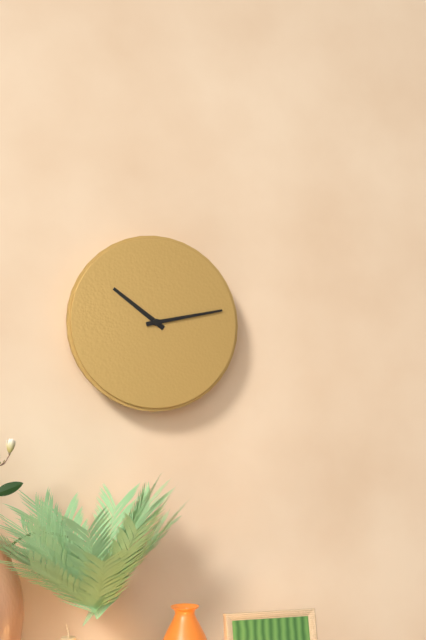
10:13
